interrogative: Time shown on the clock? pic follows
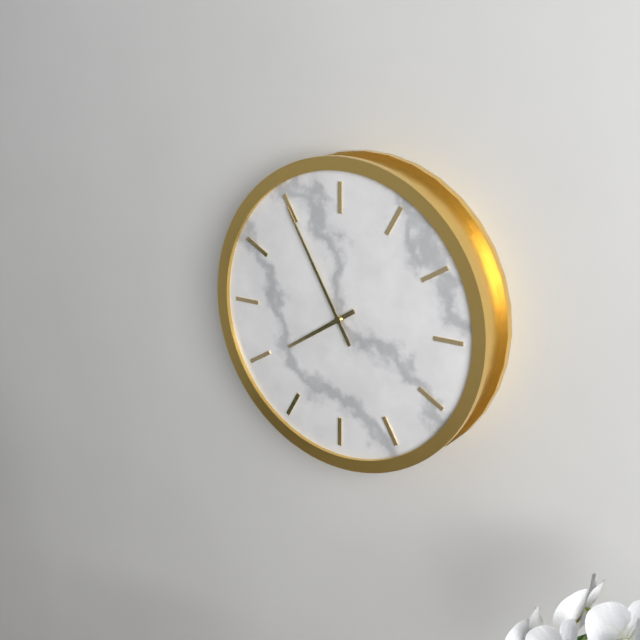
7:55
